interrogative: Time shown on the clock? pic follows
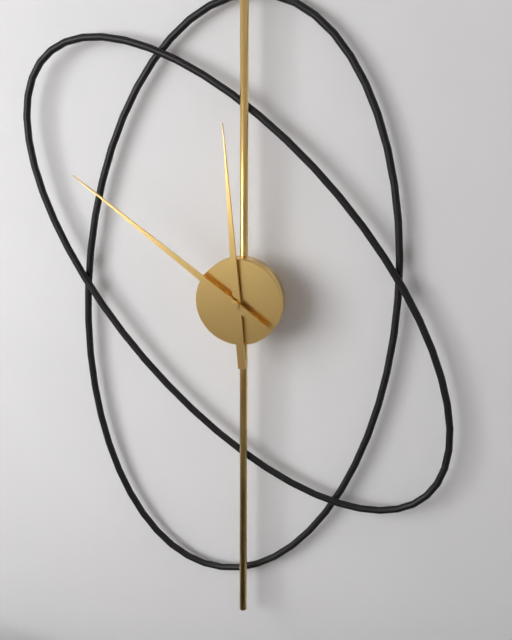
11:51
